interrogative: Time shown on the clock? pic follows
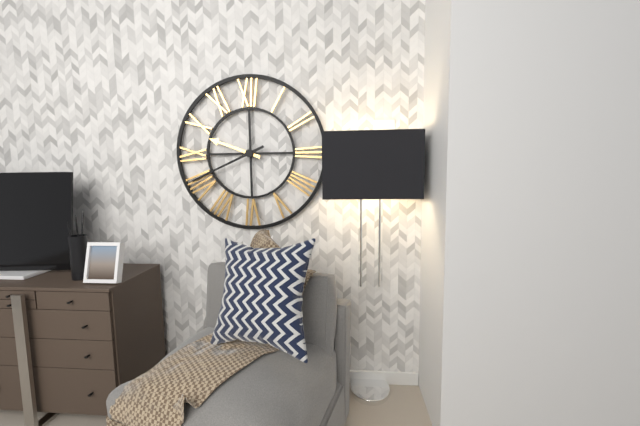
9:41
